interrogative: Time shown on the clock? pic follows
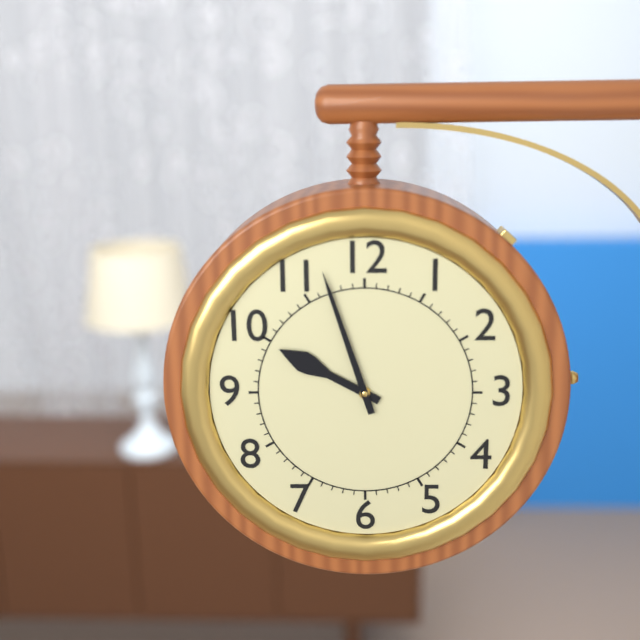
9:57
